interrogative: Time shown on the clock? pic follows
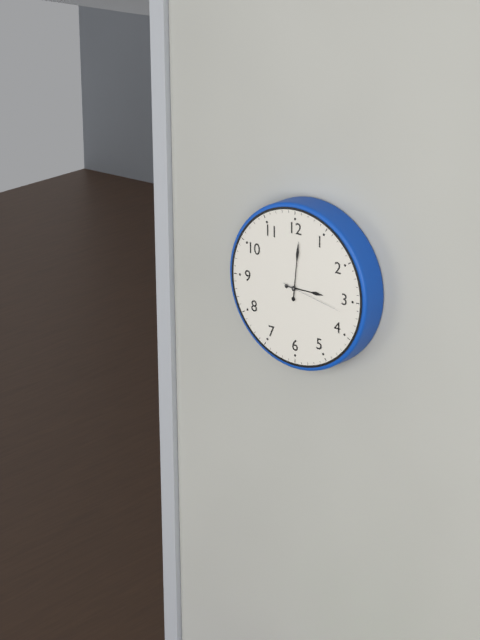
3:01:17
